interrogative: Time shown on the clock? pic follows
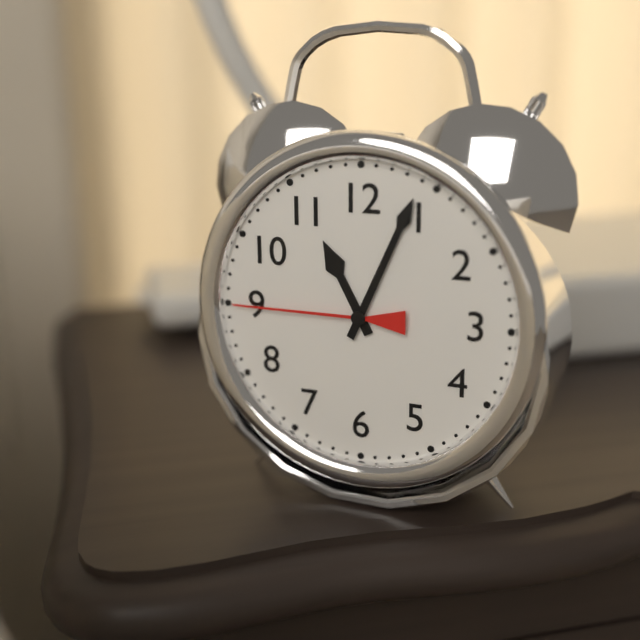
11:04:45
